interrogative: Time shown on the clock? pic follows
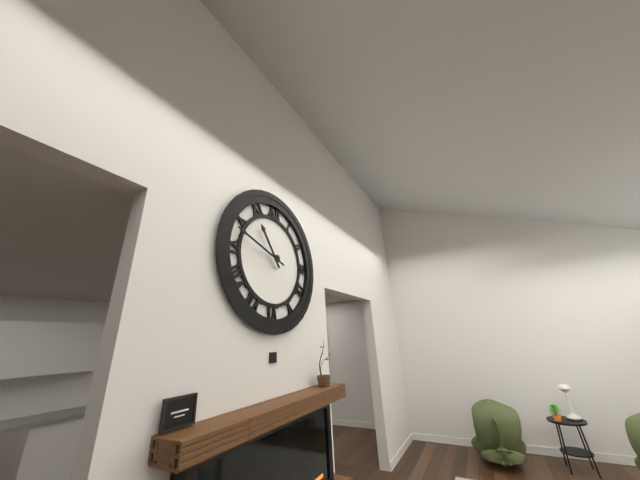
10:48
